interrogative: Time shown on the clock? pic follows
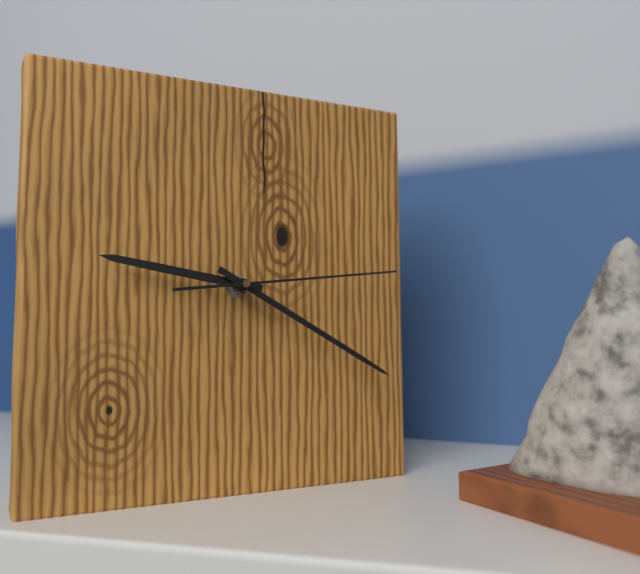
9:20:14
